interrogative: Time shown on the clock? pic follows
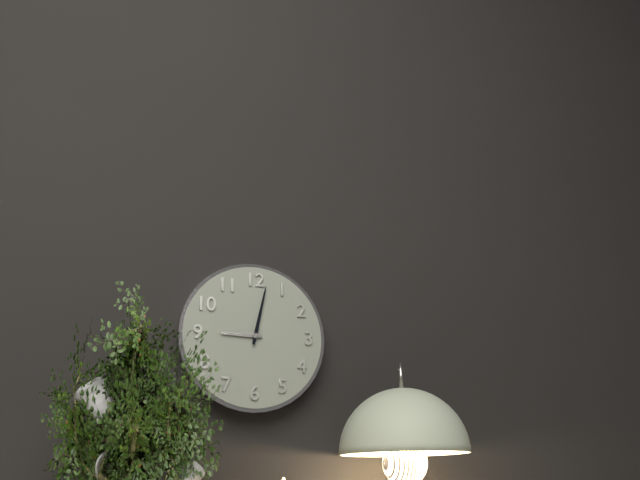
9:02
